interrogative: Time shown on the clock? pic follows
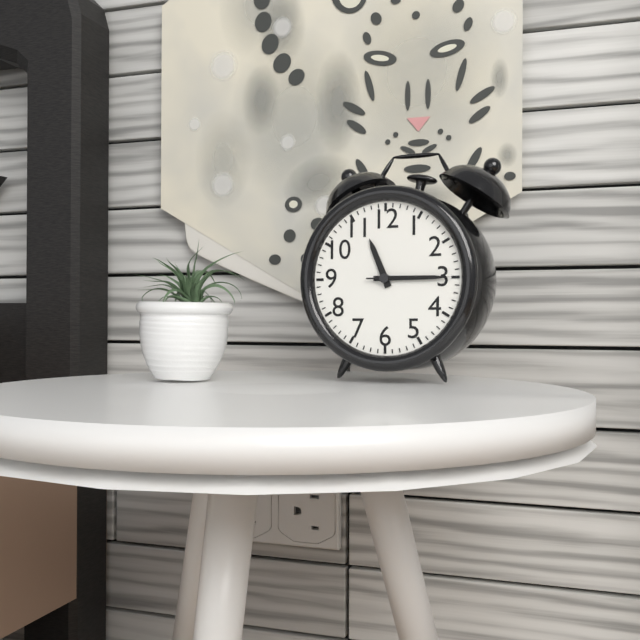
11:15:15
